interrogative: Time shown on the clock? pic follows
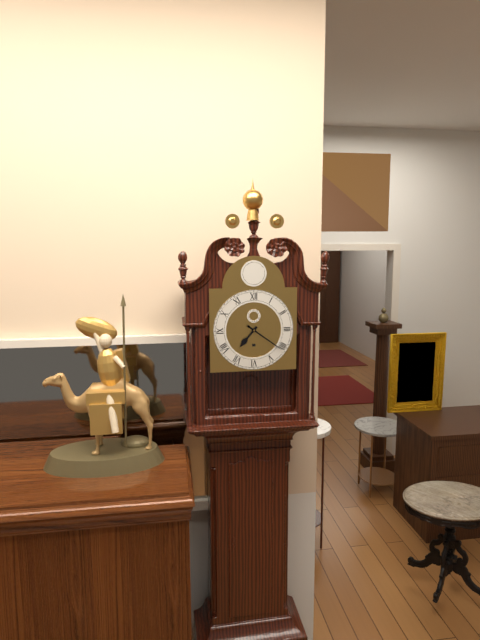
7:21
